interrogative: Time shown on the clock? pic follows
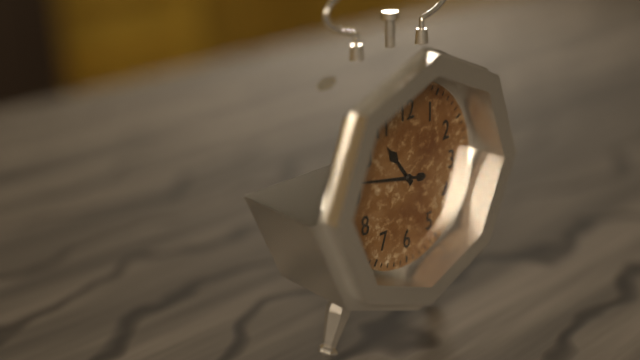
10:47
